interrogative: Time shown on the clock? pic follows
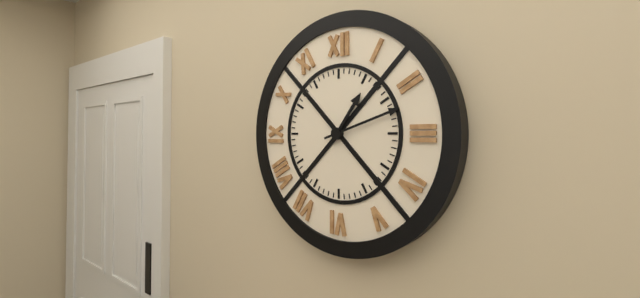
1:12
